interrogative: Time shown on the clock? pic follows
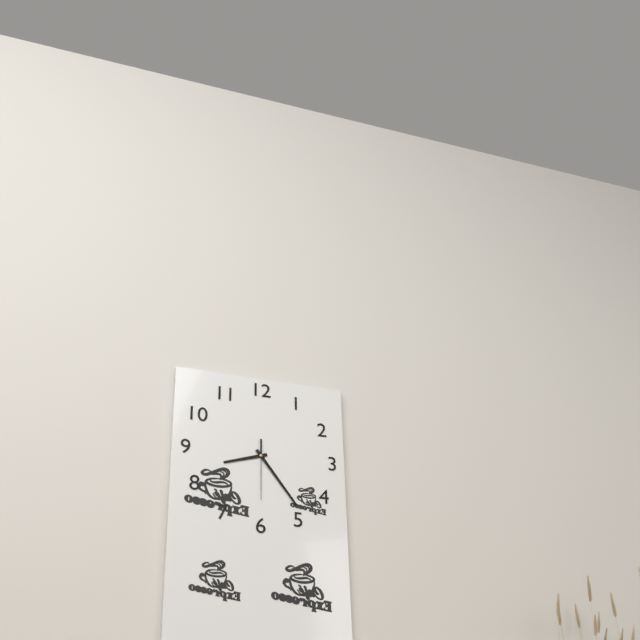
8:24:30
